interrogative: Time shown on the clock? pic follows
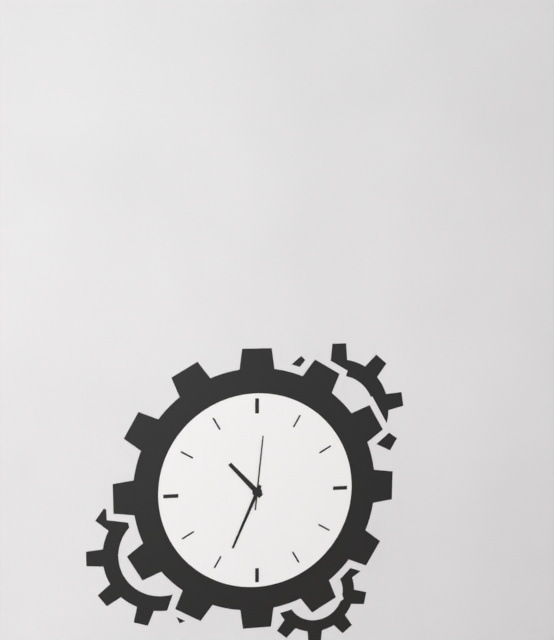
10:34:01
